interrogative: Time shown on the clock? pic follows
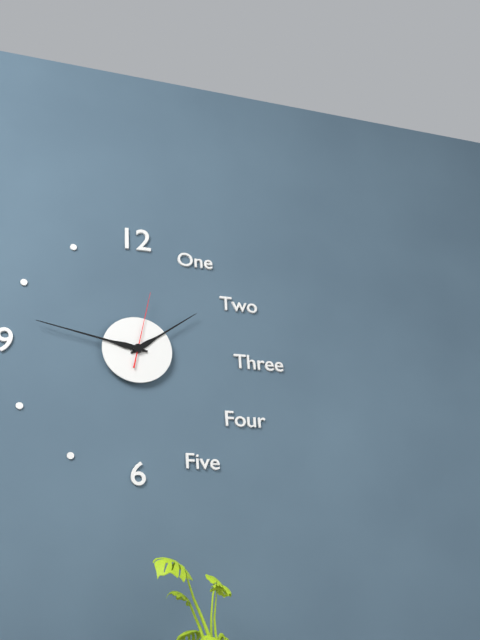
1:47:02
